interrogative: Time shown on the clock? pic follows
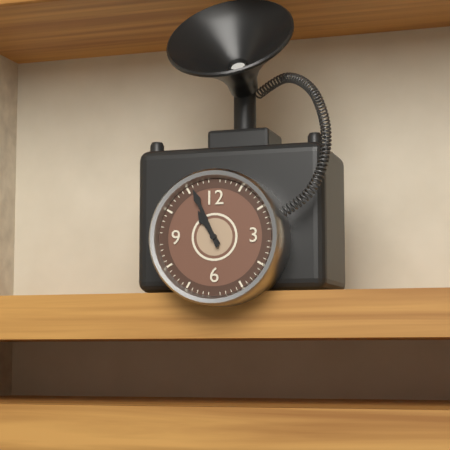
10:56
